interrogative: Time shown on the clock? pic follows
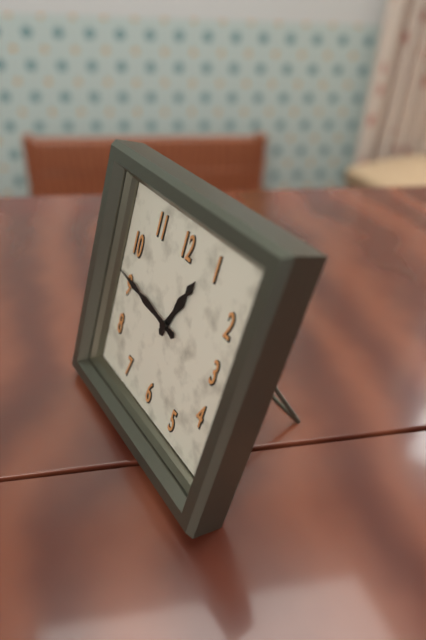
12:46
